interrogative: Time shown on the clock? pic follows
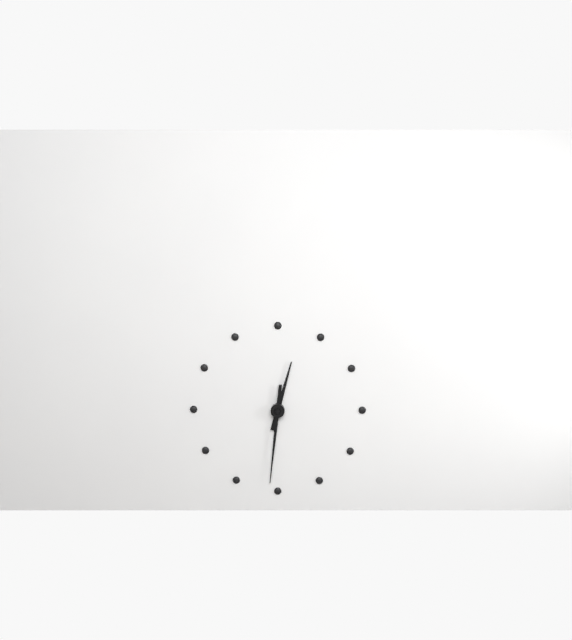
12:31
